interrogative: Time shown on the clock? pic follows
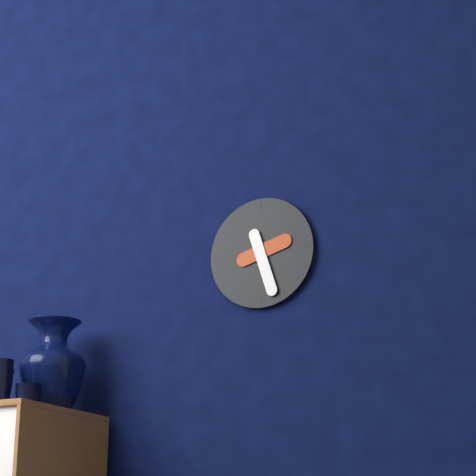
2:27
